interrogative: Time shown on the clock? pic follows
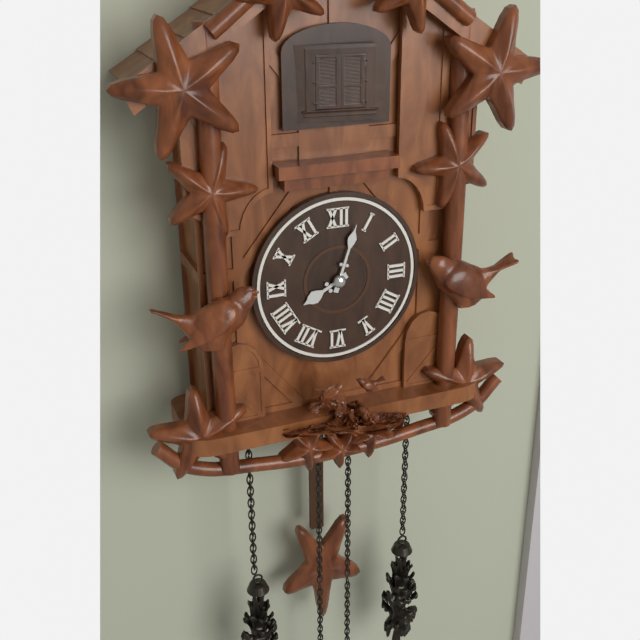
8:03
